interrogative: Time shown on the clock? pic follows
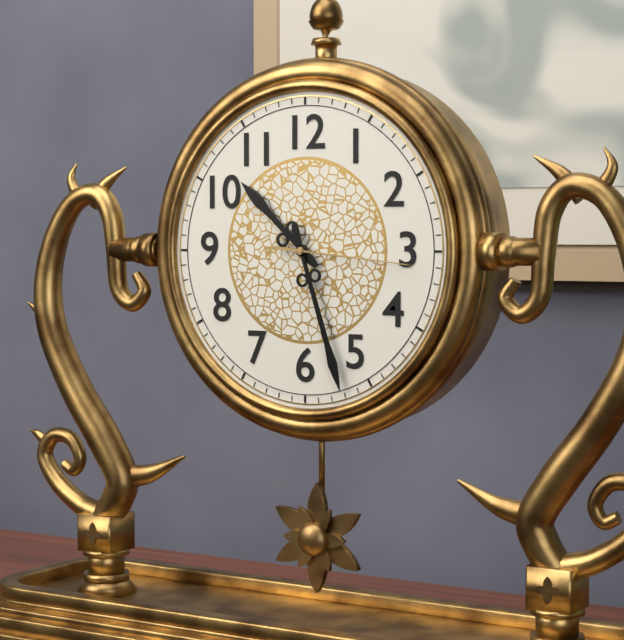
10:27:16
